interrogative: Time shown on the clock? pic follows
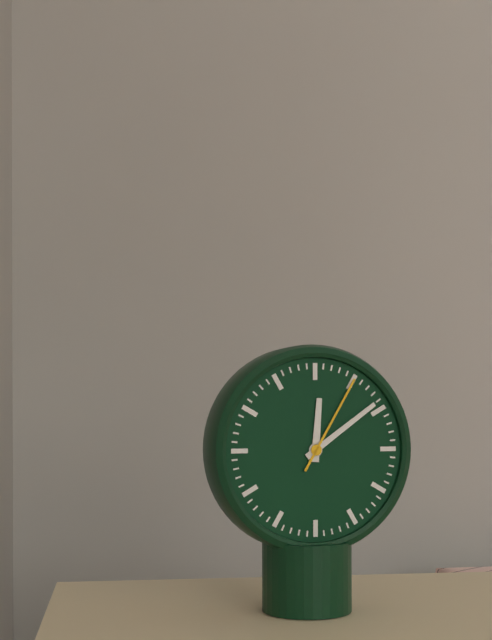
12:09:05
